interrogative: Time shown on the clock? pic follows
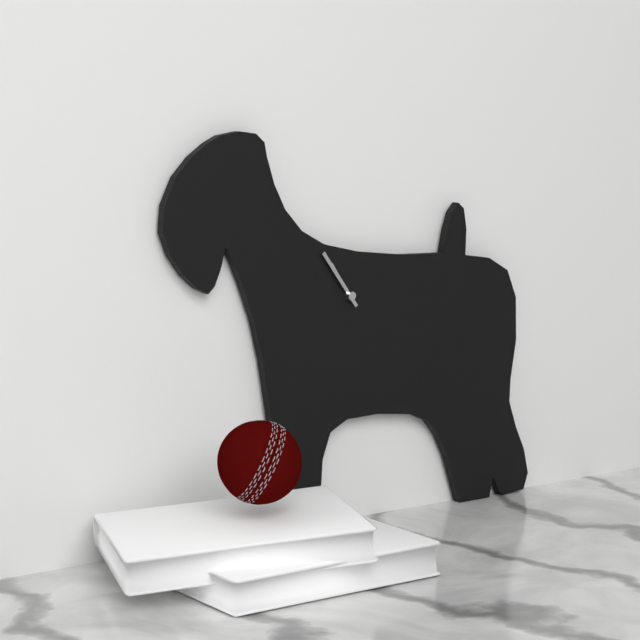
10:54
